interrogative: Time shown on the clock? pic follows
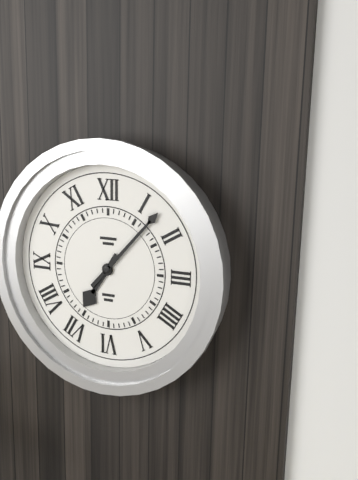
7:07
